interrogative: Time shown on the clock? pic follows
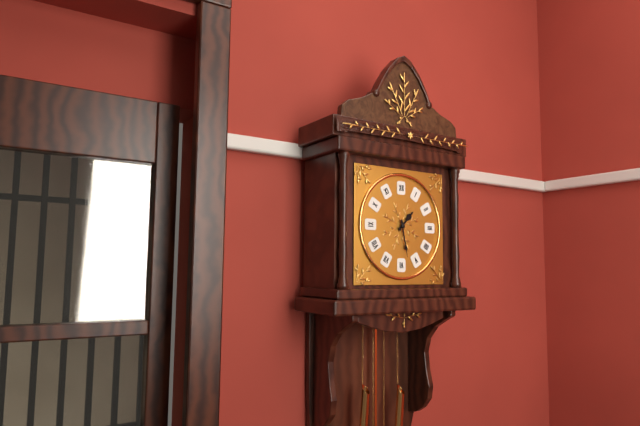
1:28
